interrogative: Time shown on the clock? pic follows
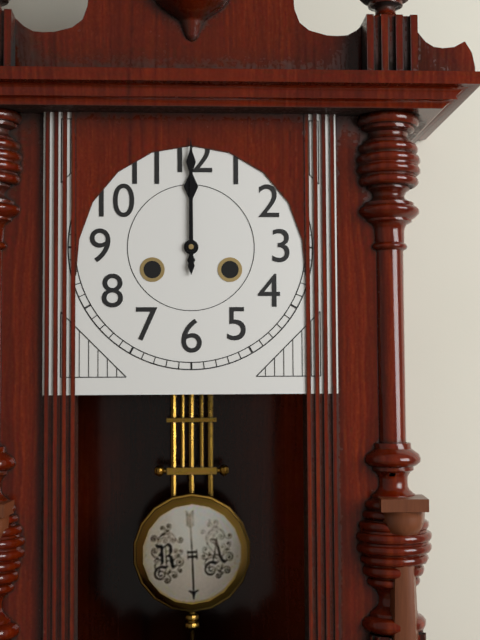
12:00
